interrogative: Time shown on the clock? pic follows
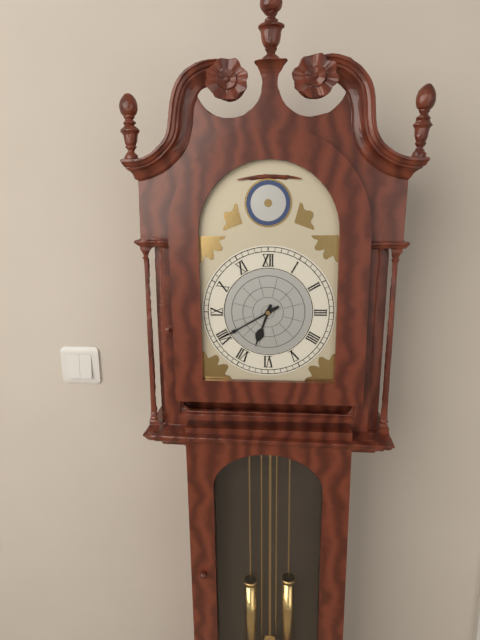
6:40
